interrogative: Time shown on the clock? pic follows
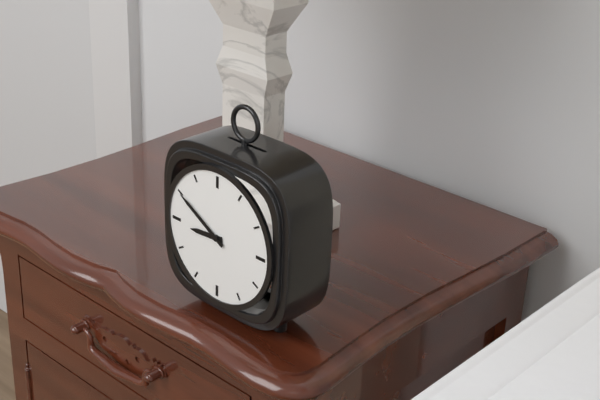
8:50
